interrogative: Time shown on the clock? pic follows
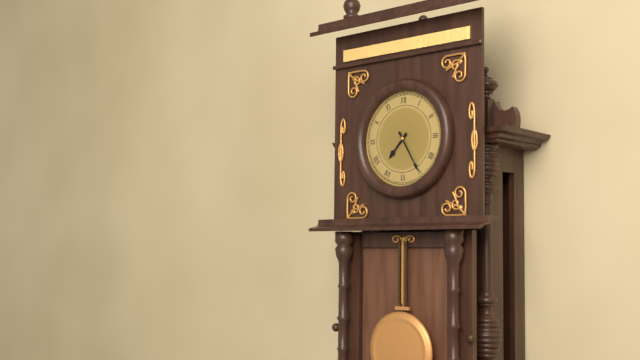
7:25
